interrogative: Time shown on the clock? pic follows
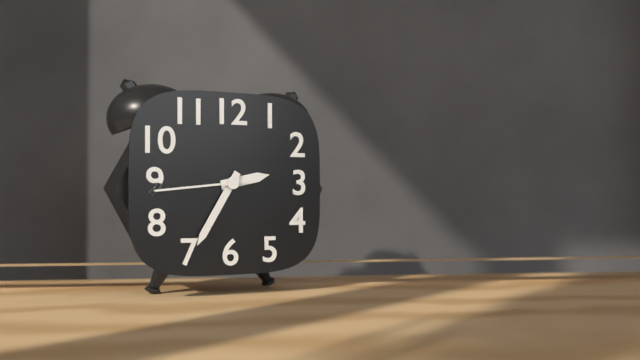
2:35:44
